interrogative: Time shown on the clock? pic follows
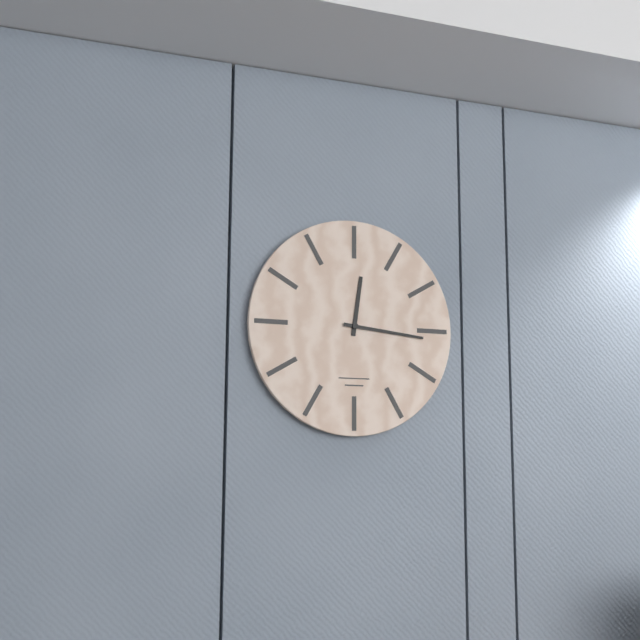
12:16
